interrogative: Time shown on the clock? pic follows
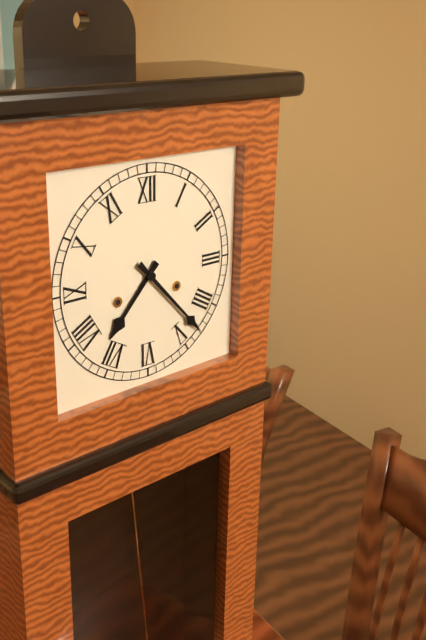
7:23
